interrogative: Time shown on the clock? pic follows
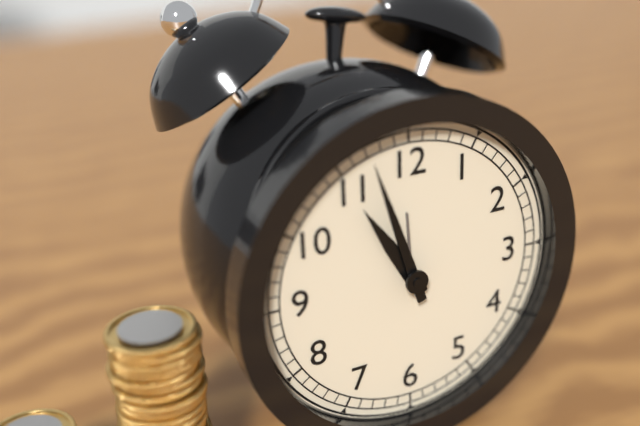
10:57
